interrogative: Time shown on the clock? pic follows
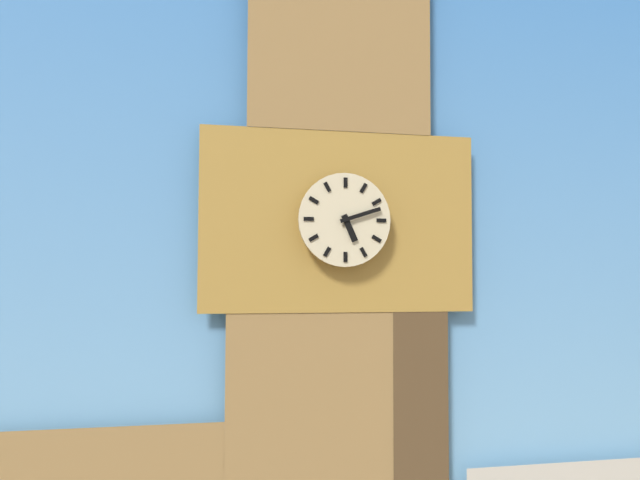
5:12
